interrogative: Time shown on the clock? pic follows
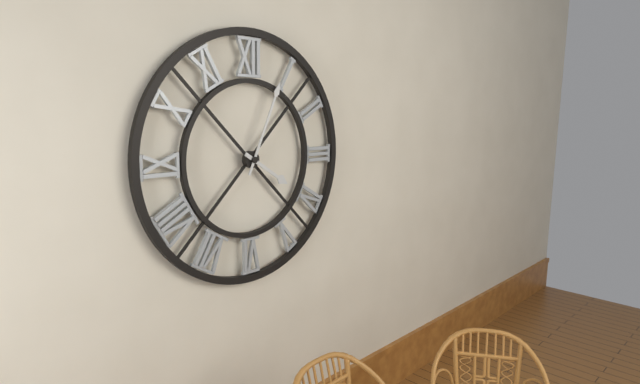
4:04
